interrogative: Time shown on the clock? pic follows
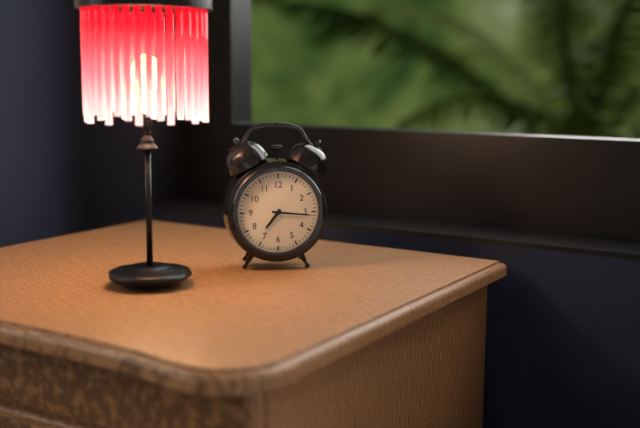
7:16
